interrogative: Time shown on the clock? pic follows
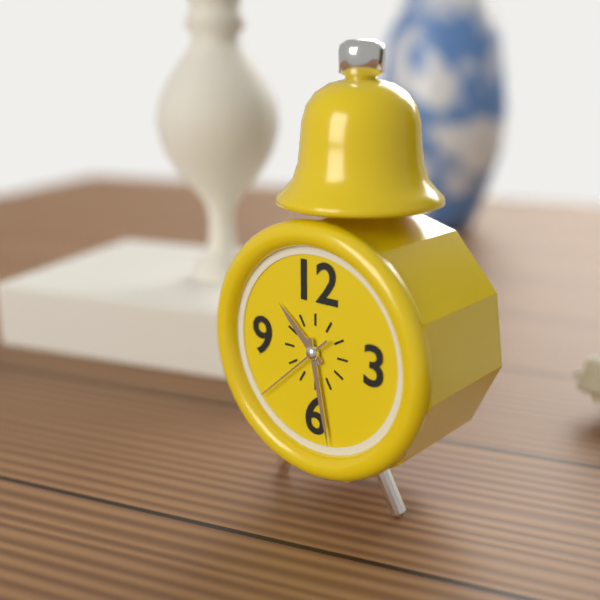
10:28:38
